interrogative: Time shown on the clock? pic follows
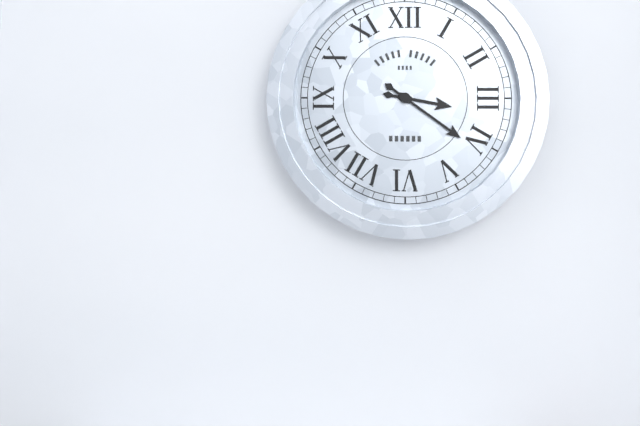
3:21
